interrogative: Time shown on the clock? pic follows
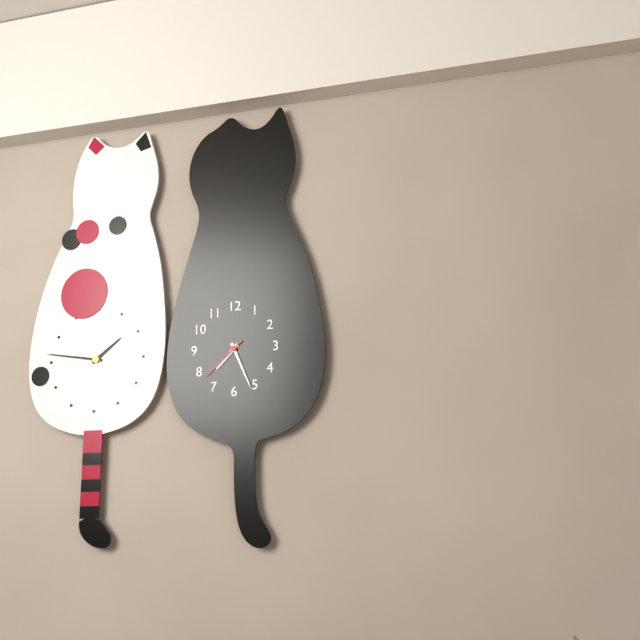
7:26:38
